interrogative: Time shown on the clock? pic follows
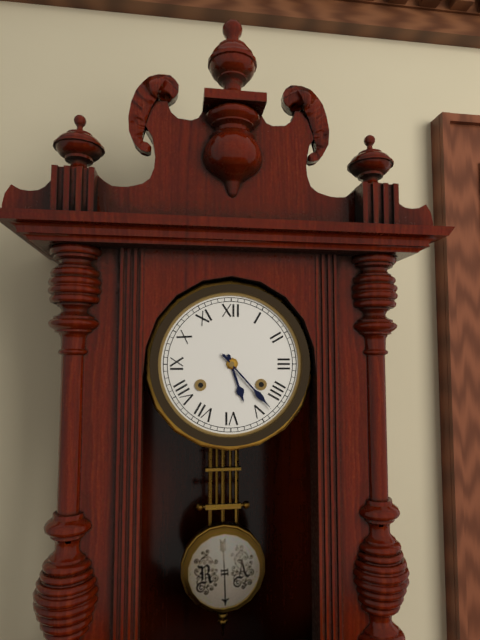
5:23
